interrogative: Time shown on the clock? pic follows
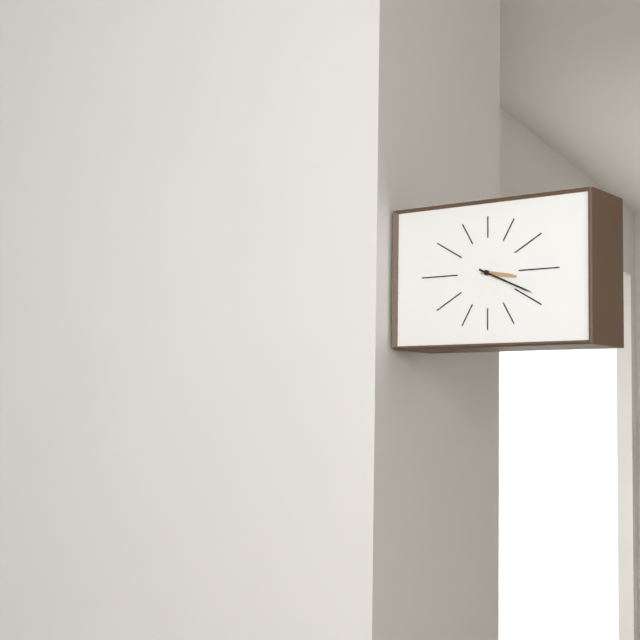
3:19
